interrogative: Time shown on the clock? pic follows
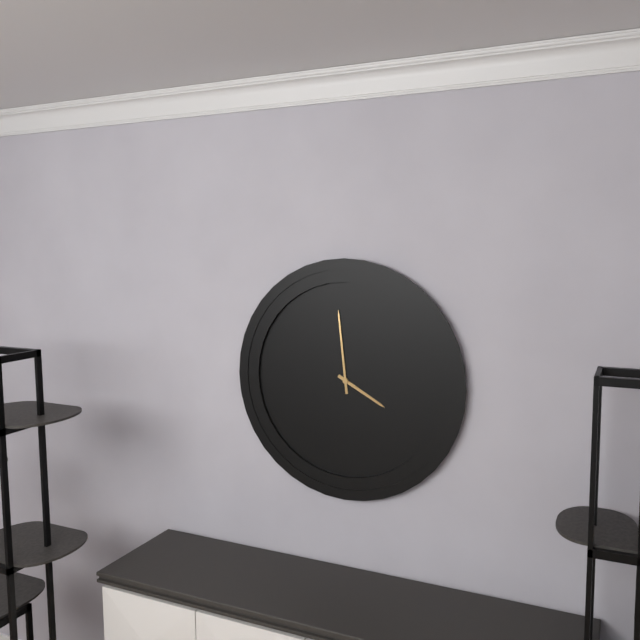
3:59
